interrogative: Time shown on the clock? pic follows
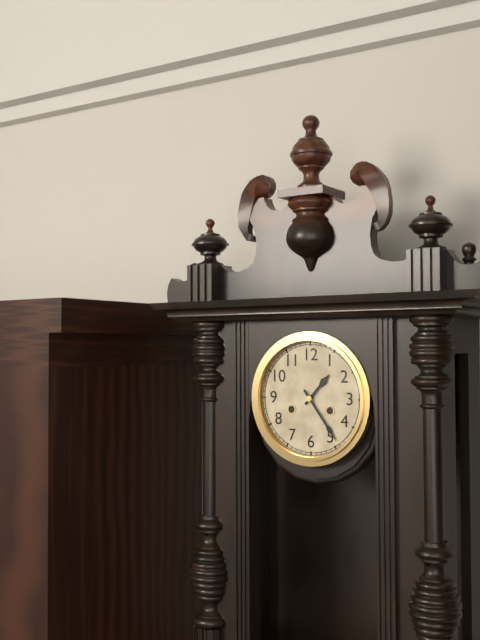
1:24
